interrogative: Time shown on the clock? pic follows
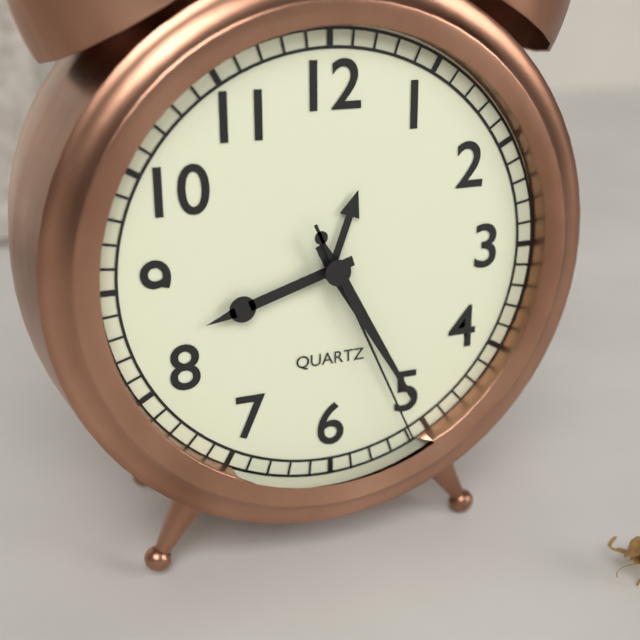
8:25:26
